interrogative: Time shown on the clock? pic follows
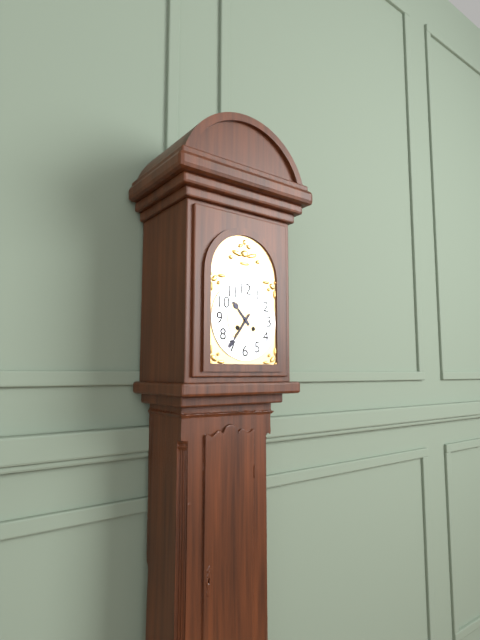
10:36
